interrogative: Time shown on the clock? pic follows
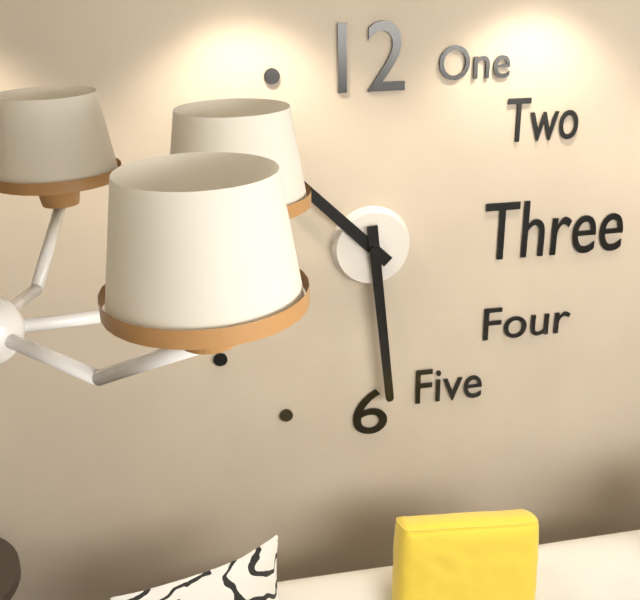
10:29
